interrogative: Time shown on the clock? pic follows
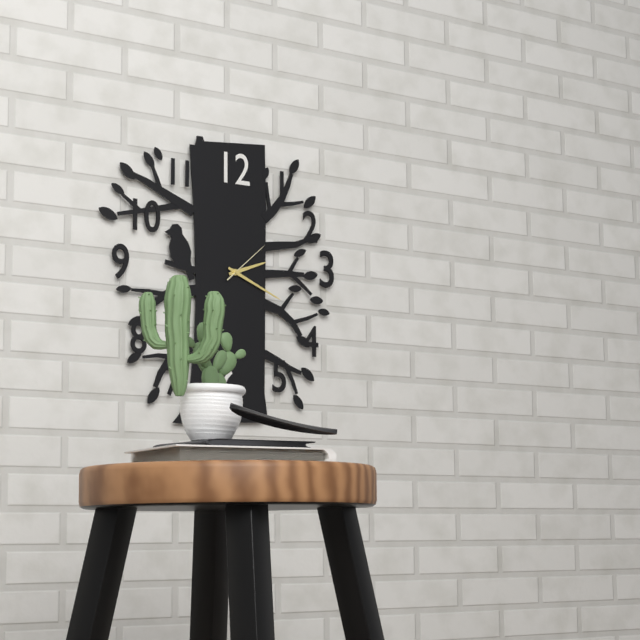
2:19:08
